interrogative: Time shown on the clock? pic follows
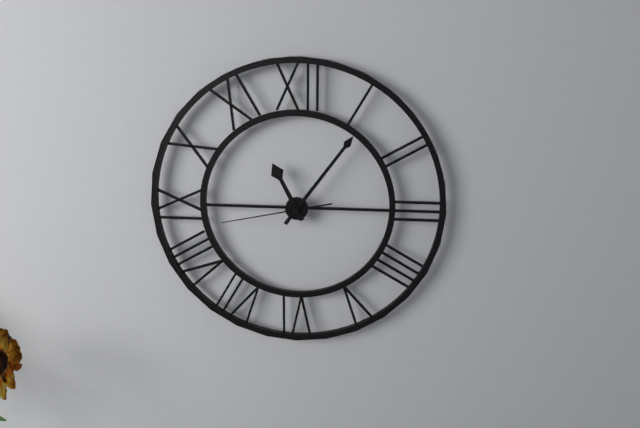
11:06:43
